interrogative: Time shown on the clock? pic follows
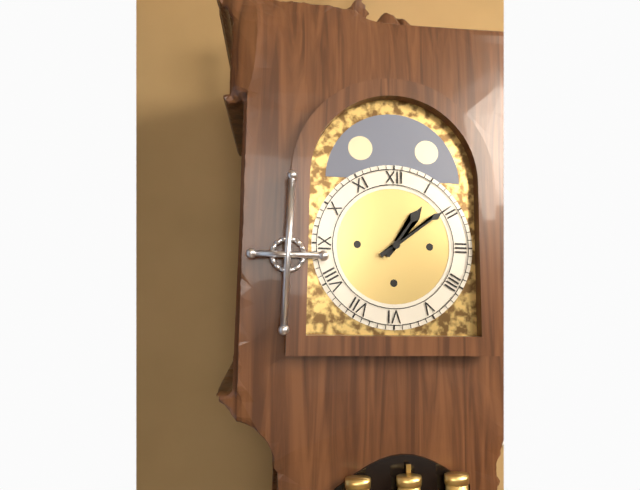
1:09
